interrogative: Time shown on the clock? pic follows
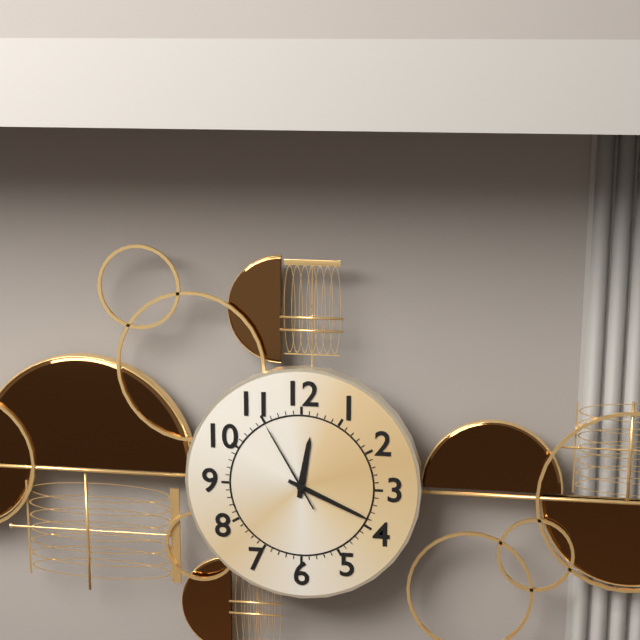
12:19:55
